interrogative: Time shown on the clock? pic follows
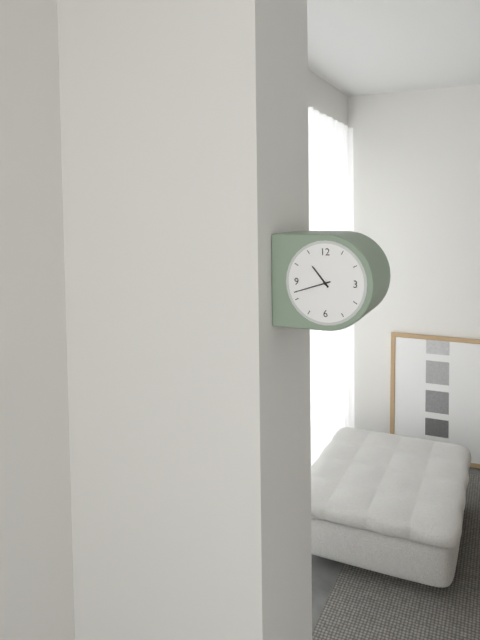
10:42
